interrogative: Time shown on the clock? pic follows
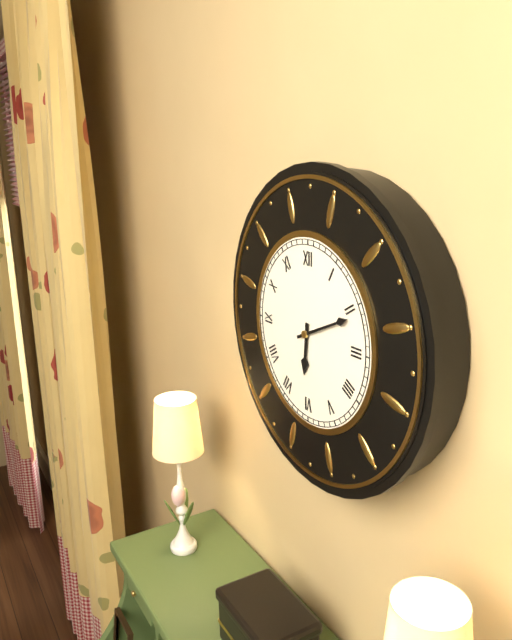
6:11
